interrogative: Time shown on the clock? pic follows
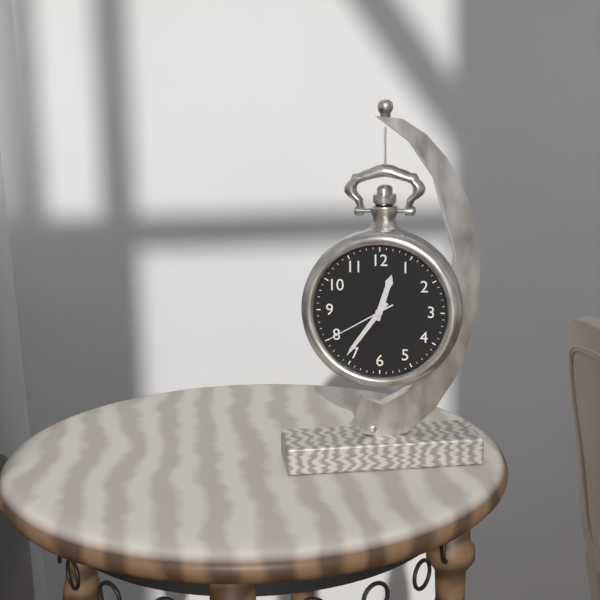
12:36:40
